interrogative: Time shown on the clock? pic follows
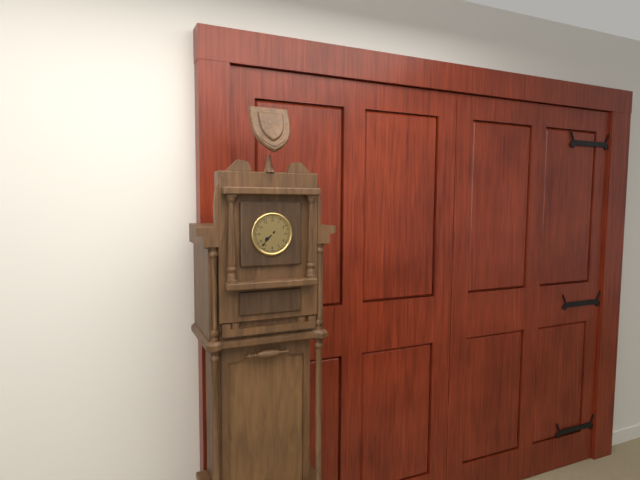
7:37
